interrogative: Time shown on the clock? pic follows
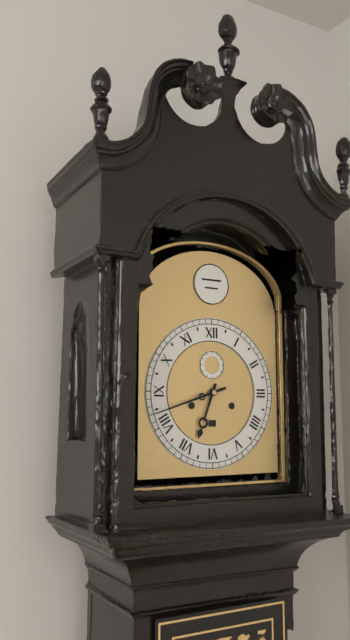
6:42
